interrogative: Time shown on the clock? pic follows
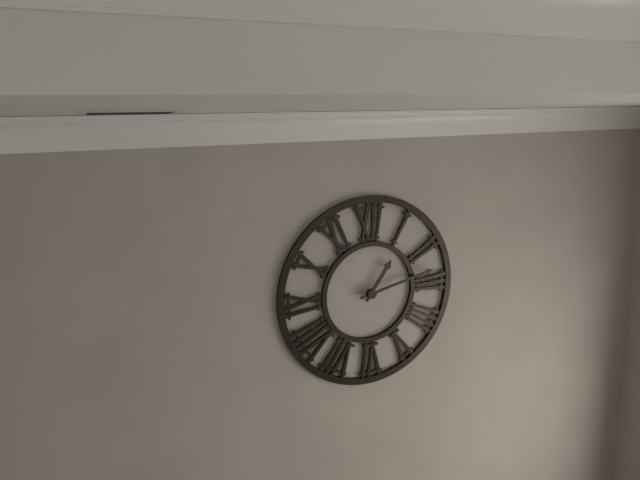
1:13
